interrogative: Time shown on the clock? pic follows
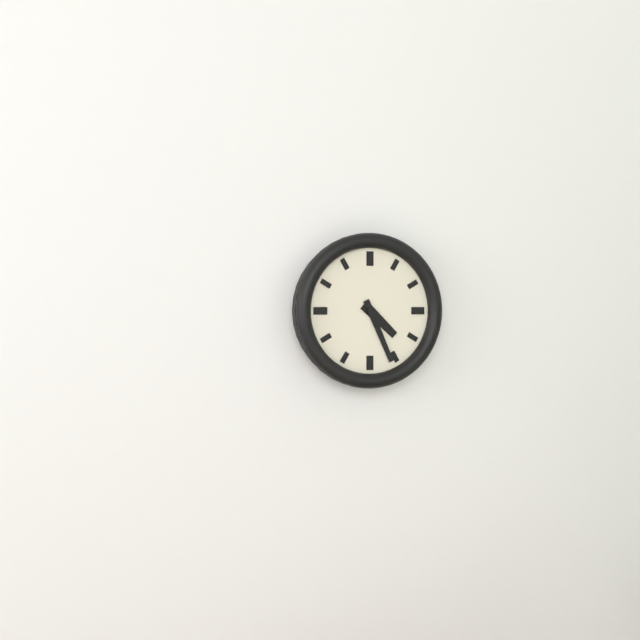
4:26
